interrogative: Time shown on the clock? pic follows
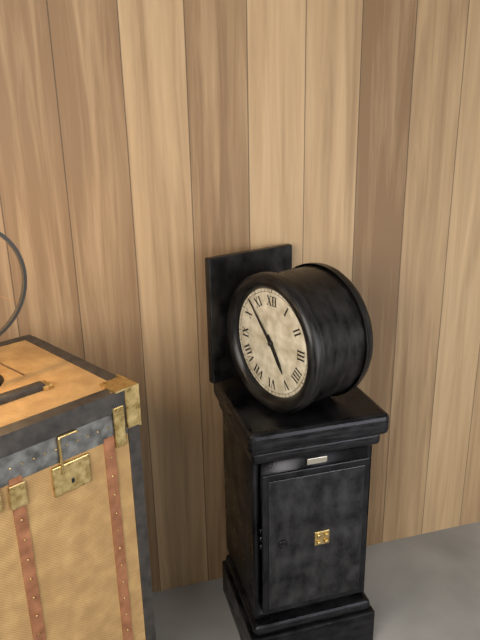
4:53
